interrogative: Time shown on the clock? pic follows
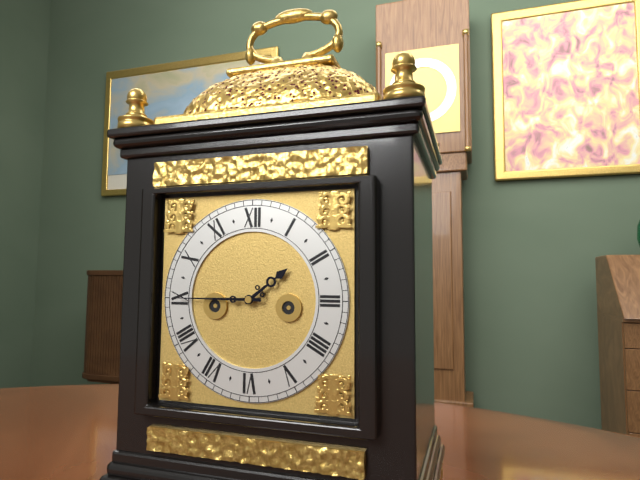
1:45
